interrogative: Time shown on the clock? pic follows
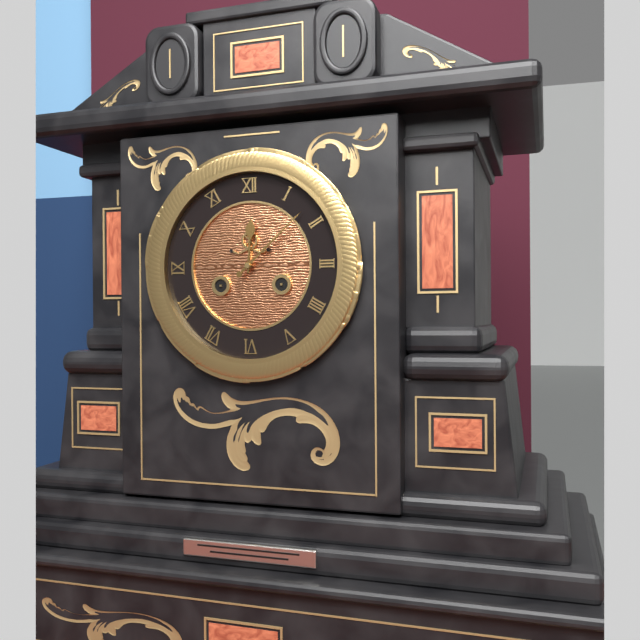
12:08
